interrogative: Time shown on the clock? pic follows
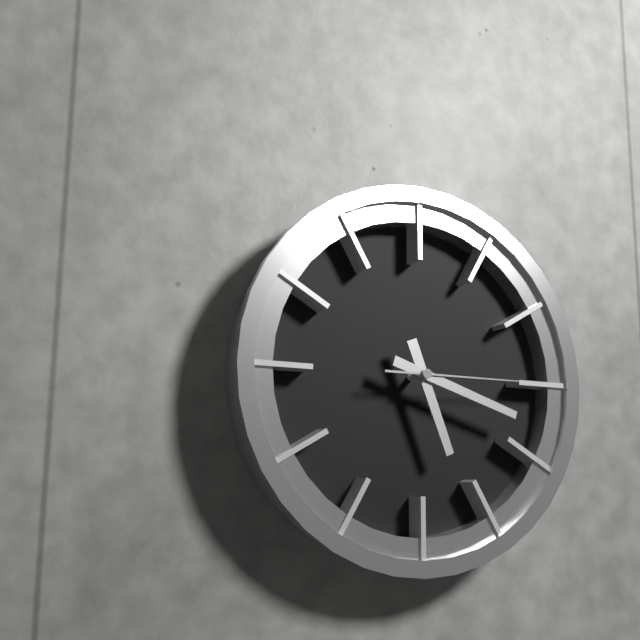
5:18:15
